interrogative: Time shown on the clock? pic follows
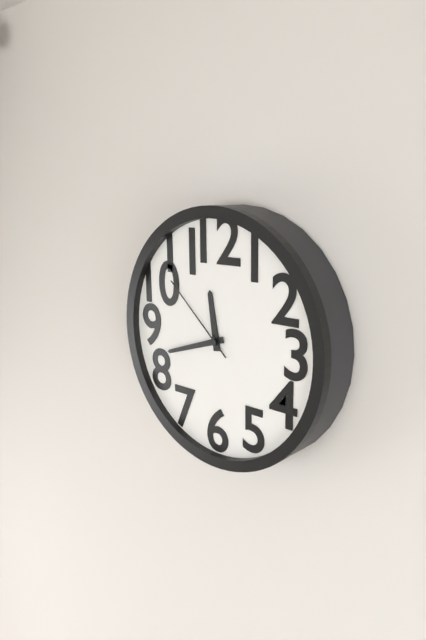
11:42:52
